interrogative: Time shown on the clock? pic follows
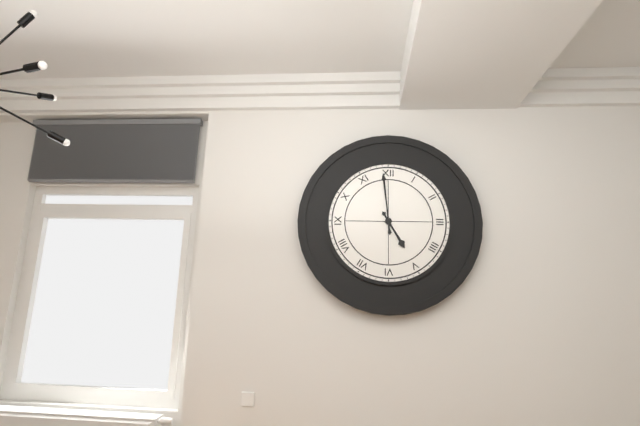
4:59
